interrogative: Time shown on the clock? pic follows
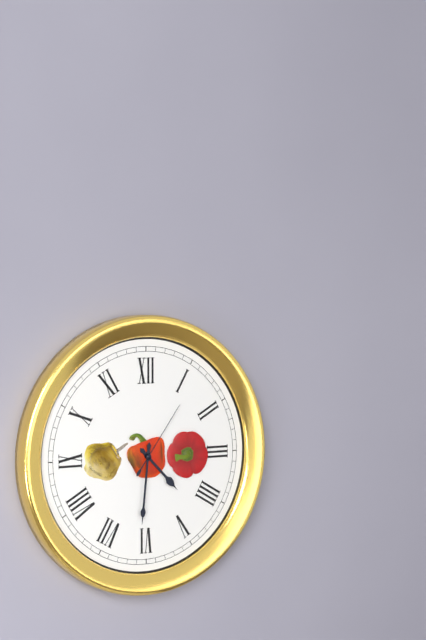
4:31:06
